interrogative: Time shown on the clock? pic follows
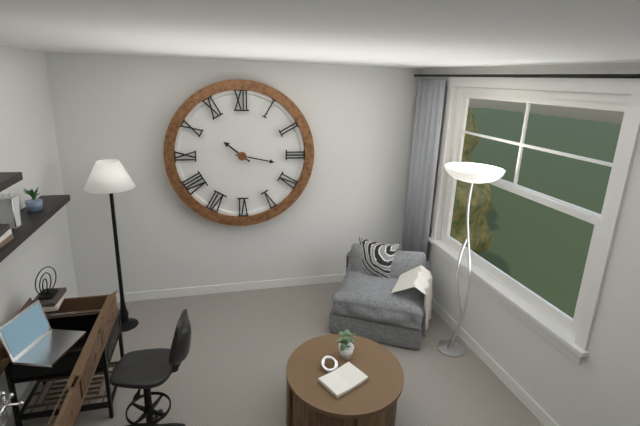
10:17
